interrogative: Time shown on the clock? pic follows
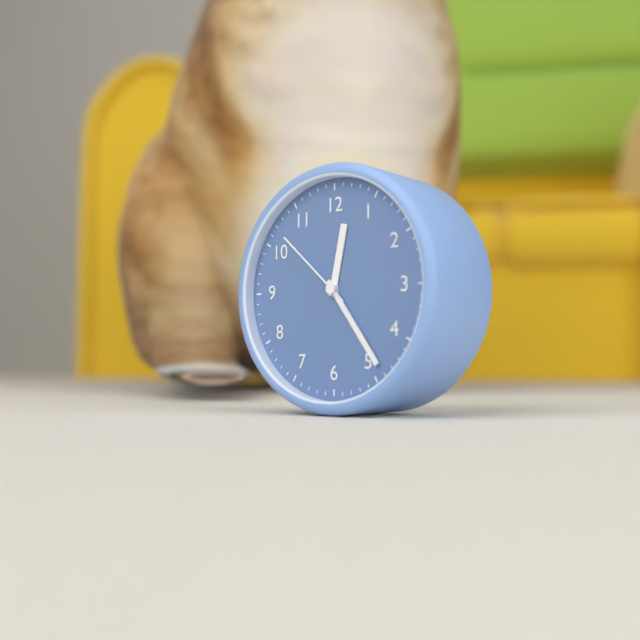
12:24:52
